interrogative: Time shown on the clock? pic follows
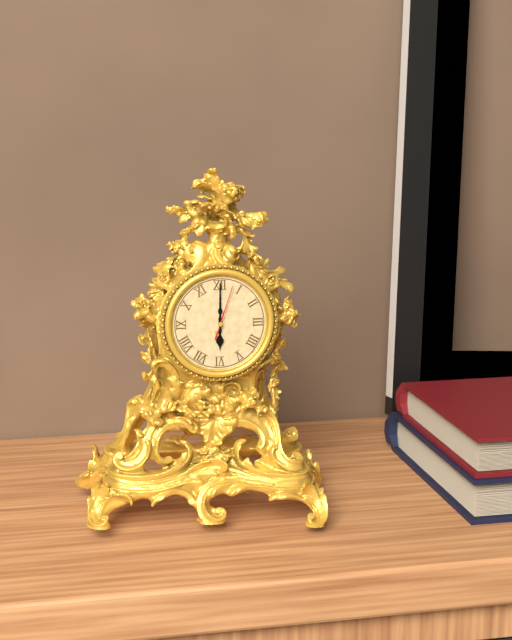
6:00:03
